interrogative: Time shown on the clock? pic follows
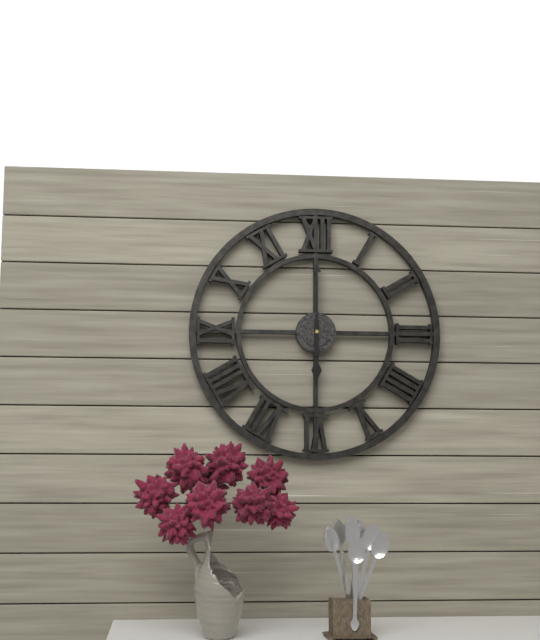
6:00
